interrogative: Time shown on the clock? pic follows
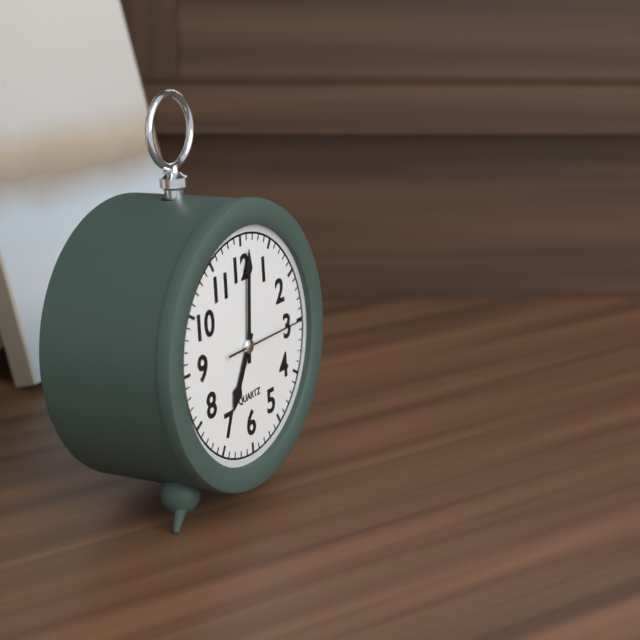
7:01:15
